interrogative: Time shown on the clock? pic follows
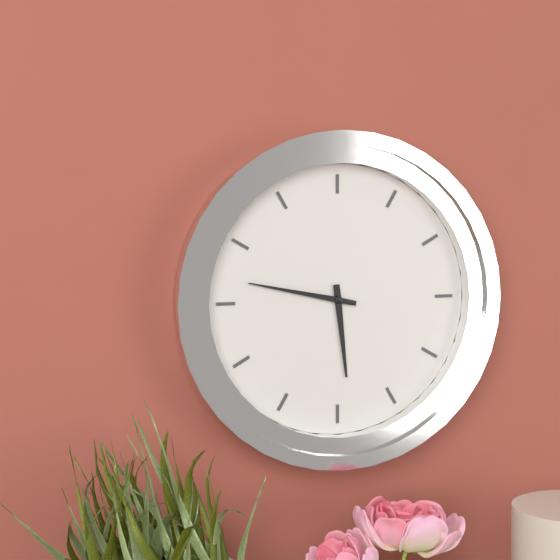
5:47
